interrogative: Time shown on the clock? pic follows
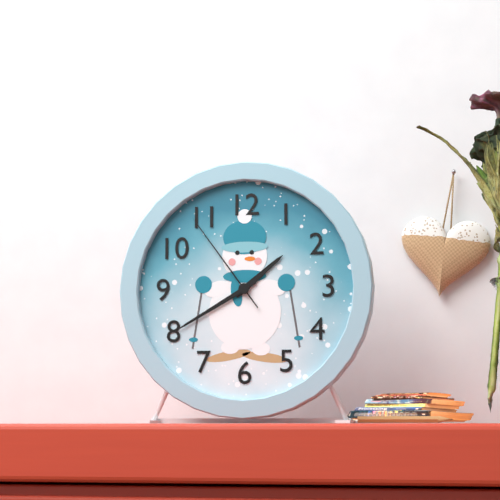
1:40:54
